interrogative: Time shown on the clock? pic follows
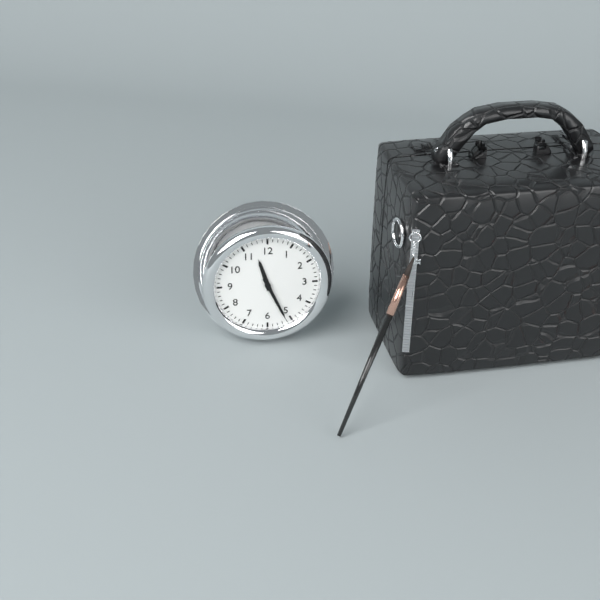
11:26
